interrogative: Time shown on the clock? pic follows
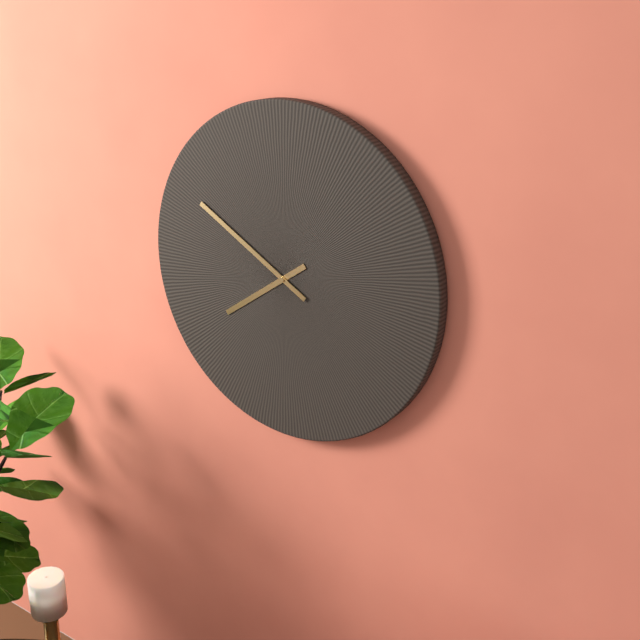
7:50
